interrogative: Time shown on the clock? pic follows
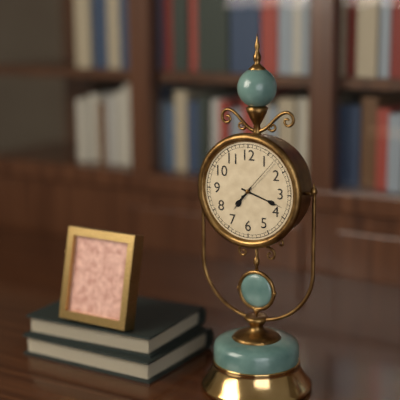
7:18:07
